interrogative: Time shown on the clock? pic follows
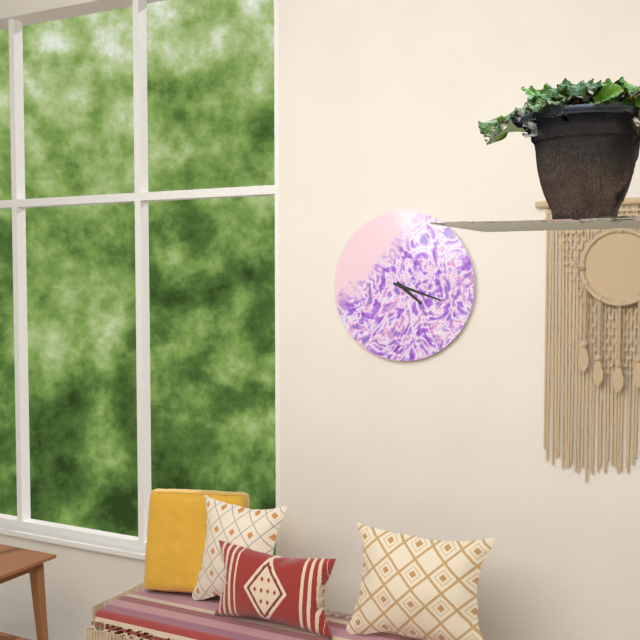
4:18
